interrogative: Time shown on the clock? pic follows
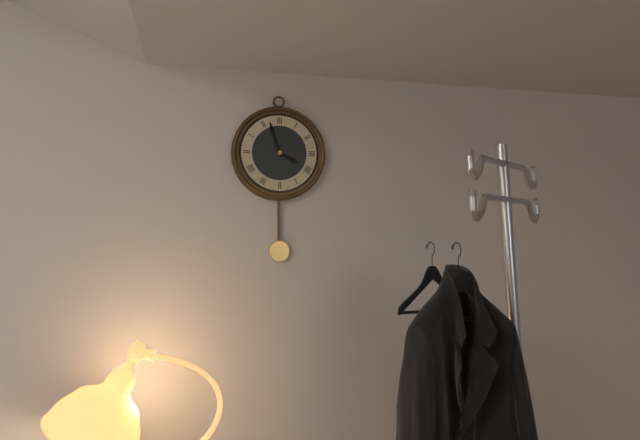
3:57
